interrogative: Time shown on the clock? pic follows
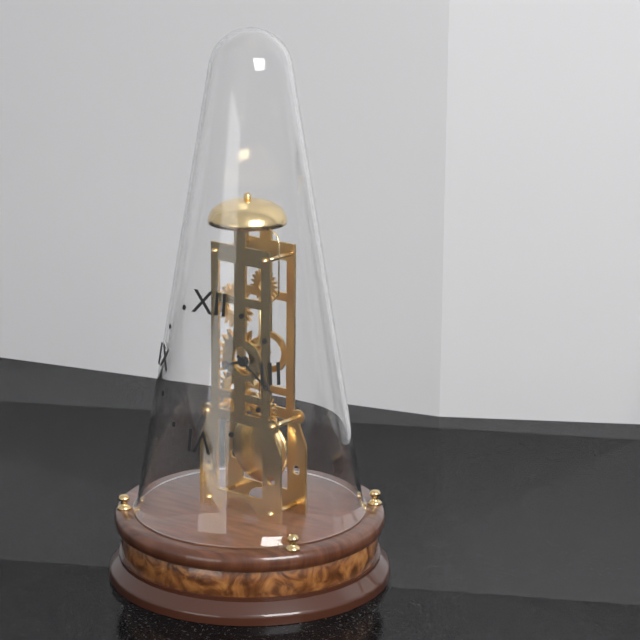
8:21
